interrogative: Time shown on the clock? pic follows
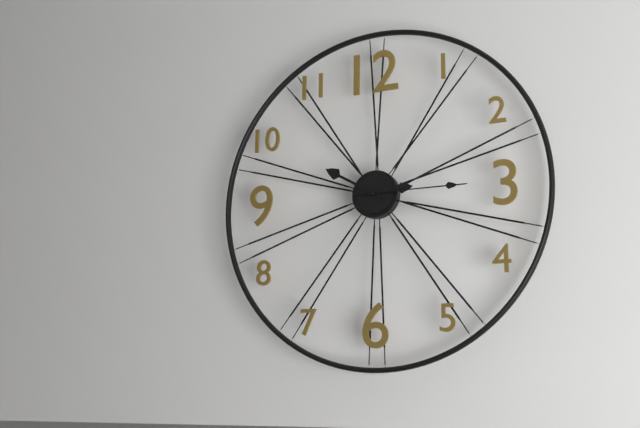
2:50:15
